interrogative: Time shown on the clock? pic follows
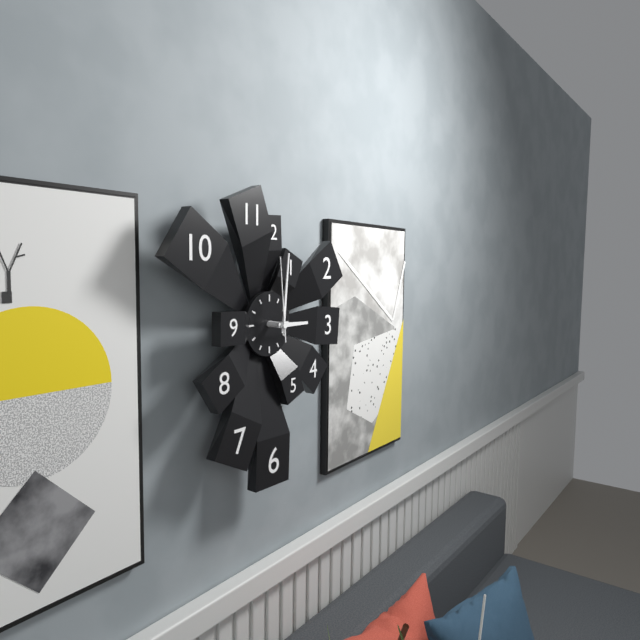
3:01:59
